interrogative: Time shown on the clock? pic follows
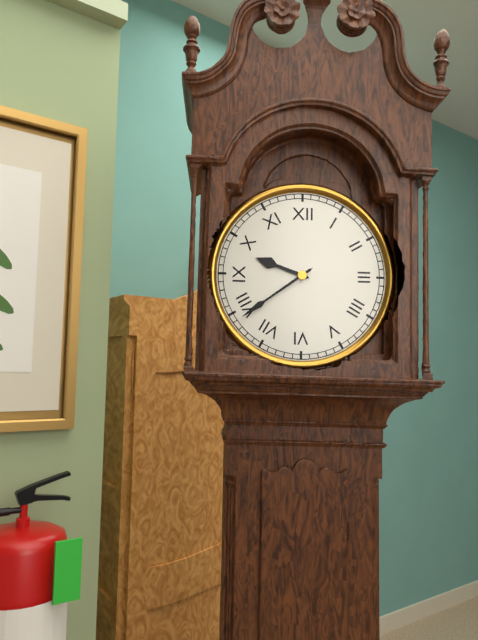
9:39
